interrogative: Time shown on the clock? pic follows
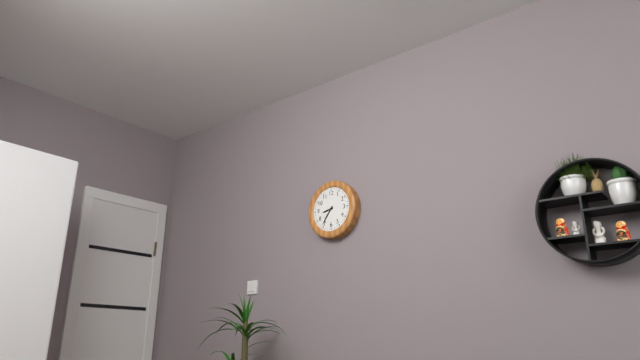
8:36
